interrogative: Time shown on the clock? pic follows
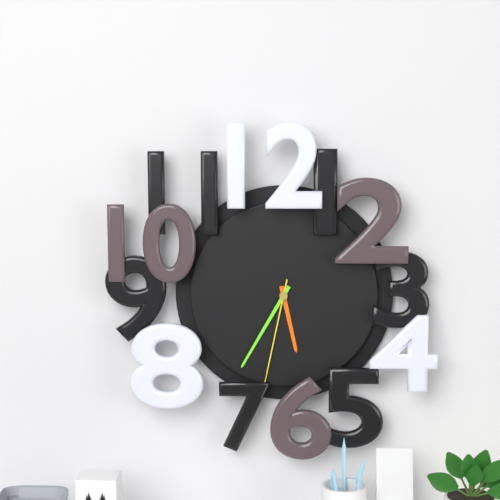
5:35:32
